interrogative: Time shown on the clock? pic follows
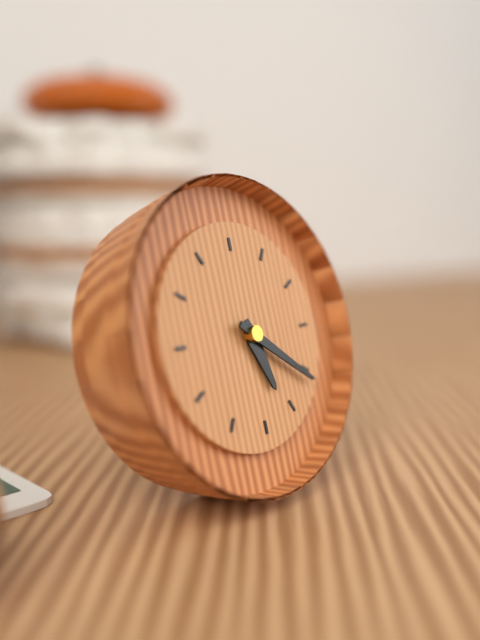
5:21
